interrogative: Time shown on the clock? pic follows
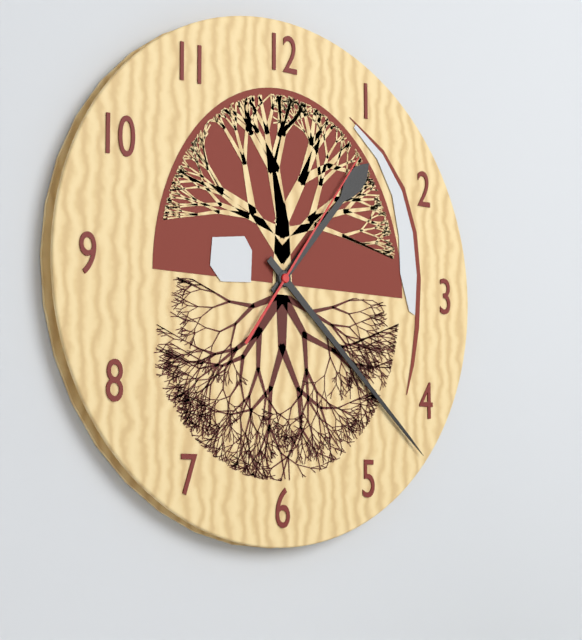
1:22:06
